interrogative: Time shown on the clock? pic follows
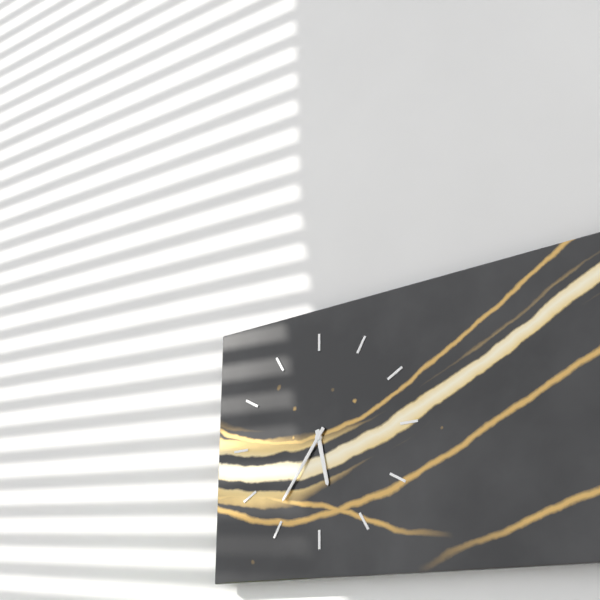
5:36
